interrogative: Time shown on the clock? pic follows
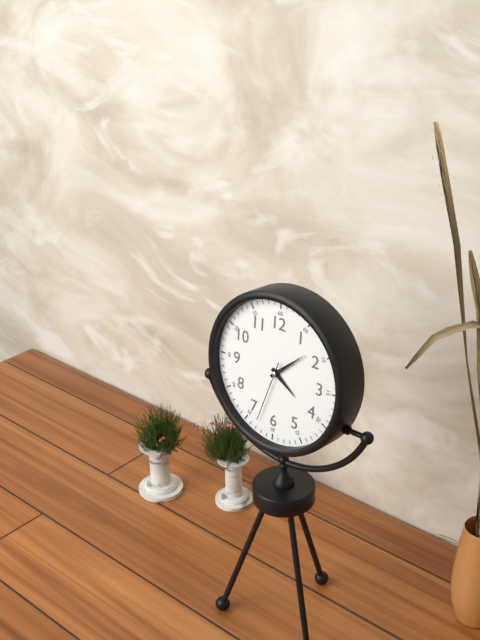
4:08:33
